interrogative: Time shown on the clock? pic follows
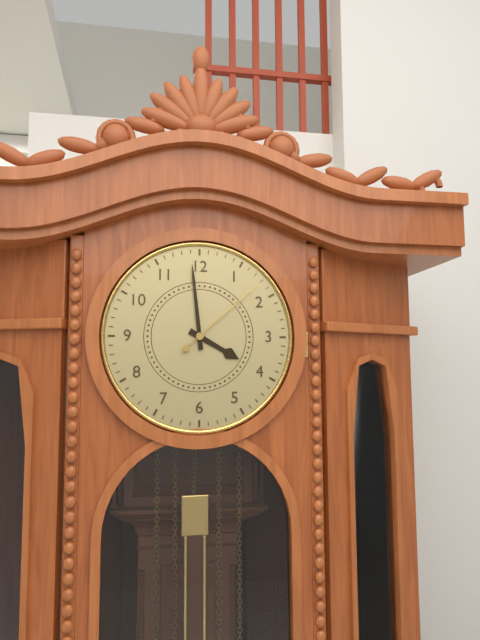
3:59:08
